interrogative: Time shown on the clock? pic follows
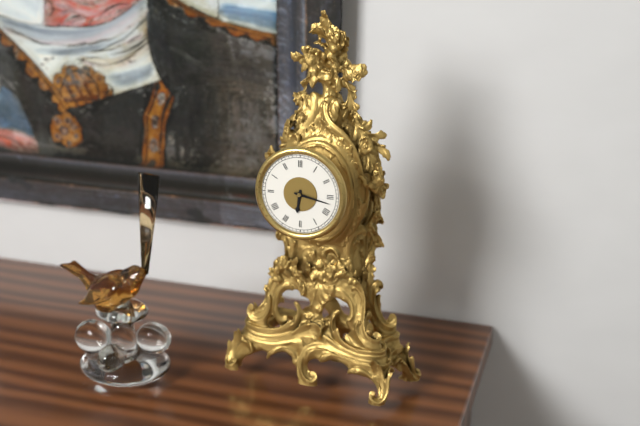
6:17
